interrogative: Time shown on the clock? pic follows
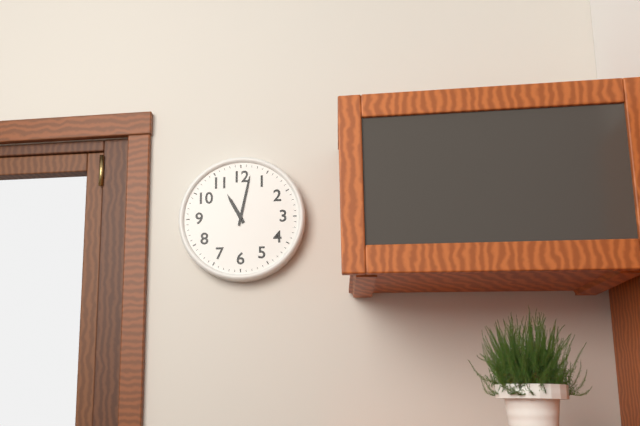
11:02
